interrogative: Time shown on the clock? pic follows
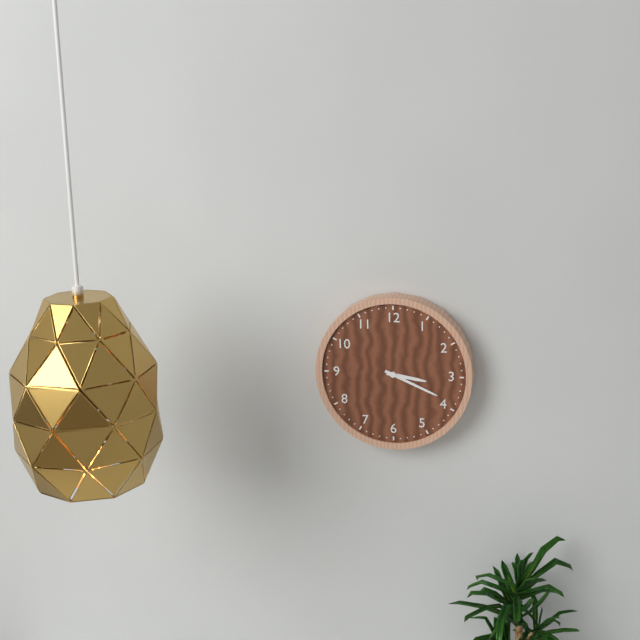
3:19
